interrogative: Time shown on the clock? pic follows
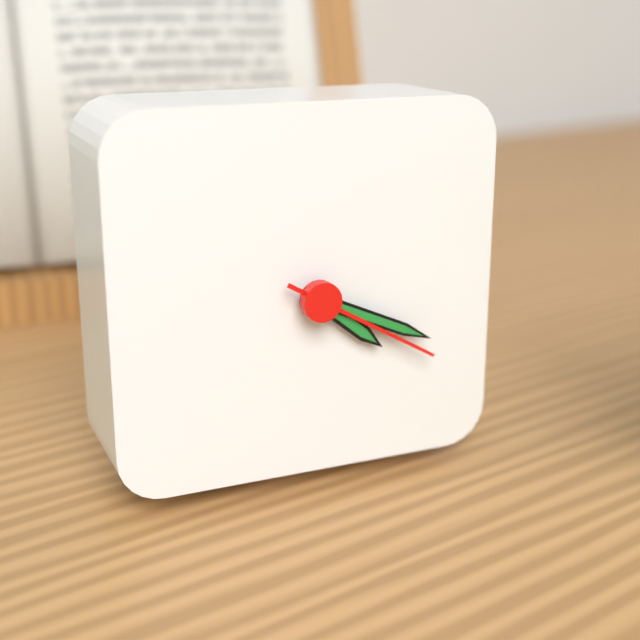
4:19:20
